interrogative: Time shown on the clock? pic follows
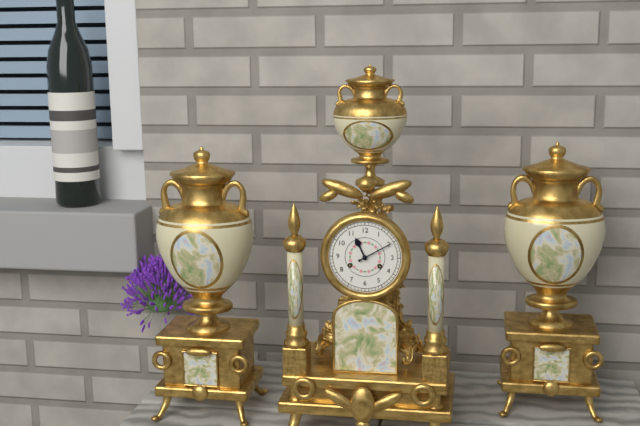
11:10
